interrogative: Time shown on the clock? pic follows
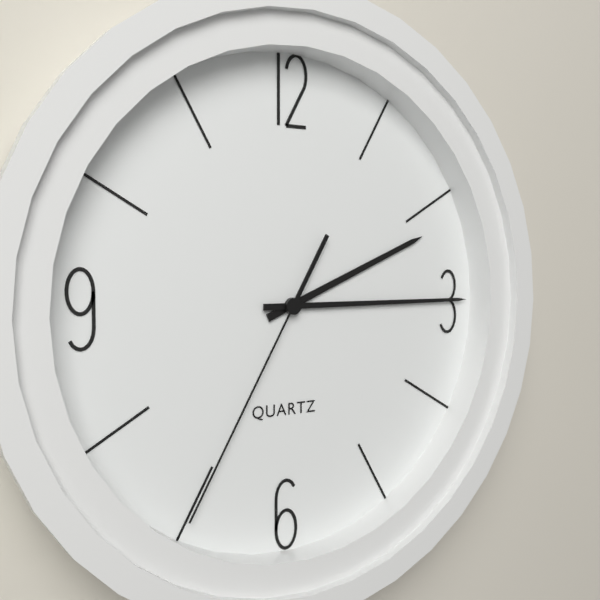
2:15:35
